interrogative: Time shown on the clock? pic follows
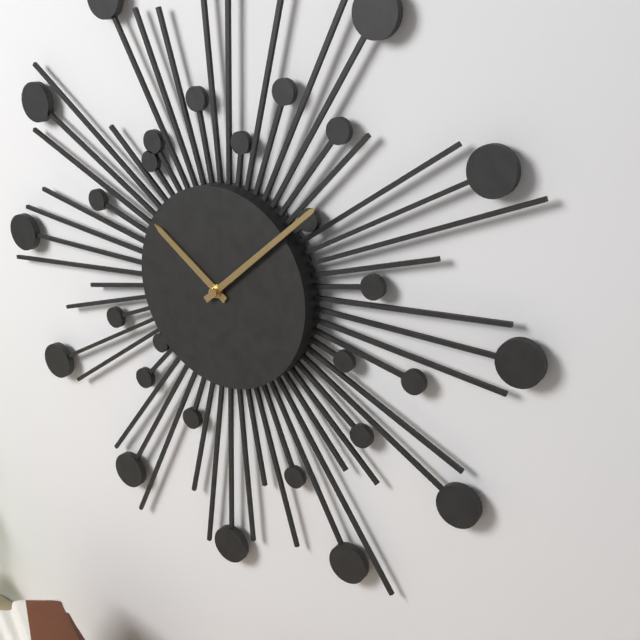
10:08
